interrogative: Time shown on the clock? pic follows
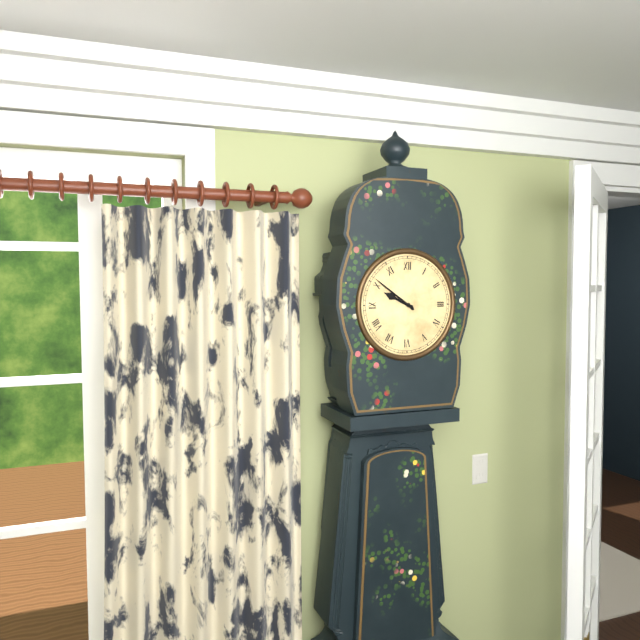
9:51
